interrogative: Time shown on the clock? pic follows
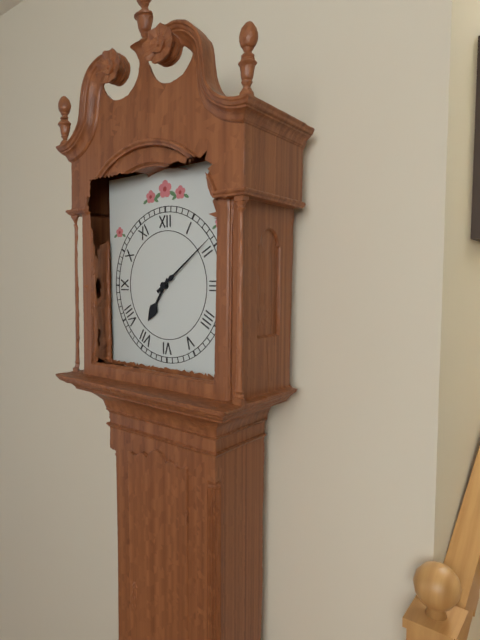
7:09
